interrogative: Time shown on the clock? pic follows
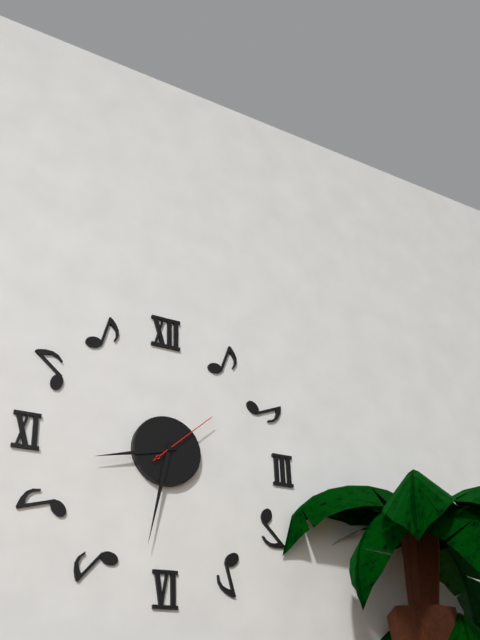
8:32:08
